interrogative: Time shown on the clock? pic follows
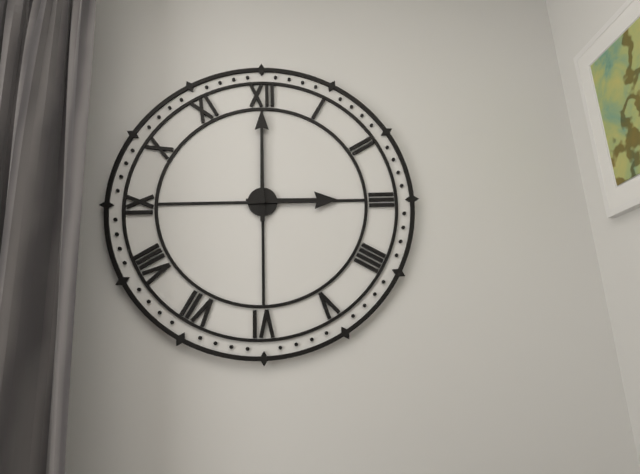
3:00
